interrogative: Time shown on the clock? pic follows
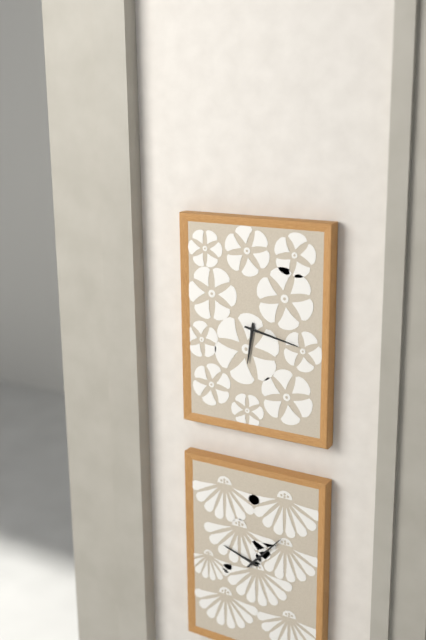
6:17
